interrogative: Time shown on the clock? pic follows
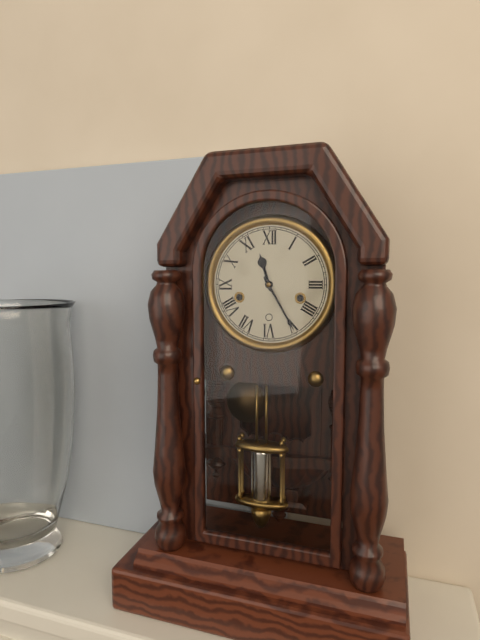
11:25
